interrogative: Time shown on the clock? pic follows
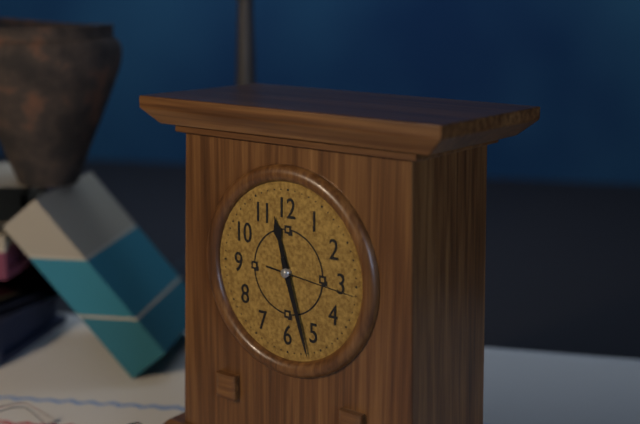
11:27:16
